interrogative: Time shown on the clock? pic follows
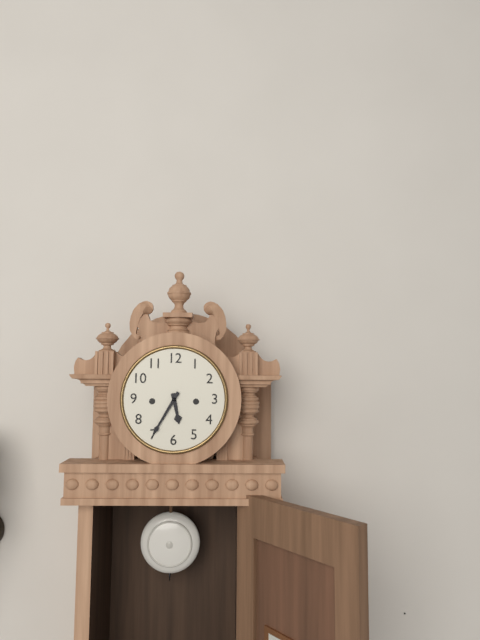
5:35
